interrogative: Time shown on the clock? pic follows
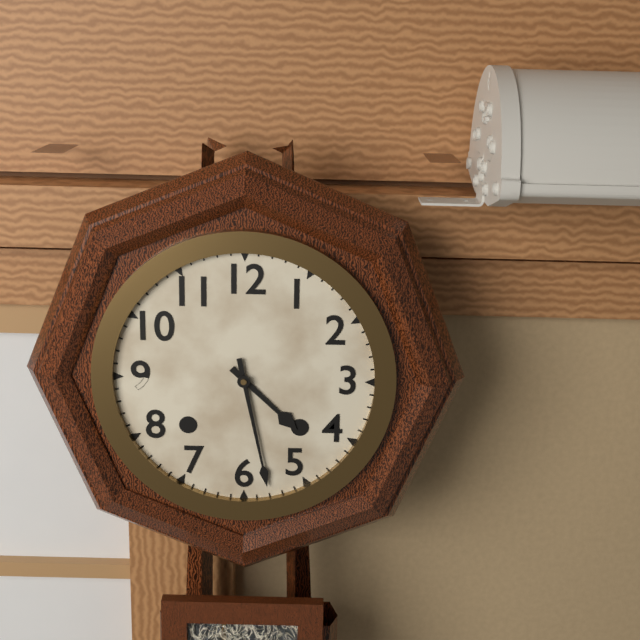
4:28
